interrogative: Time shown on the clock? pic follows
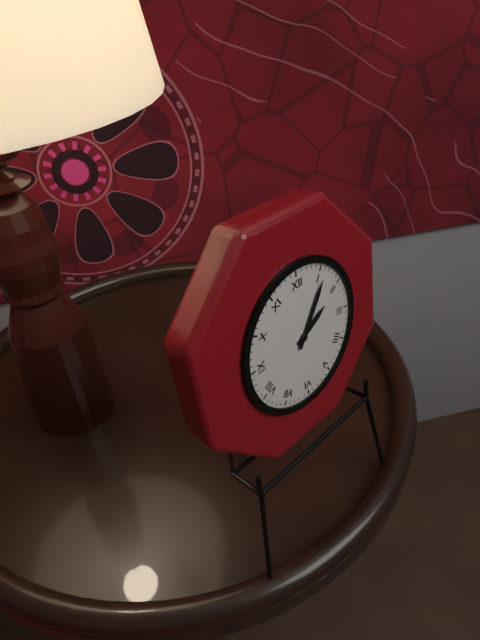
2:06
